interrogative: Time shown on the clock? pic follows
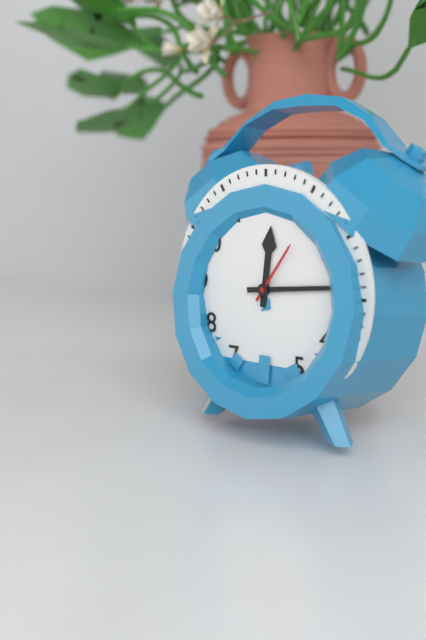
12:14:06
